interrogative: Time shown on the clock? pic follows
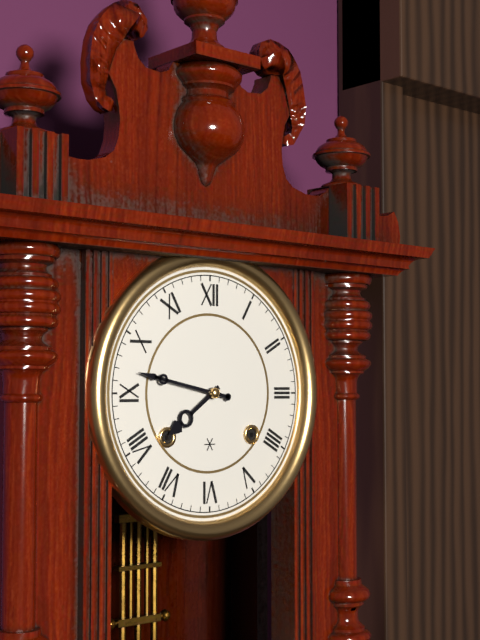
7:47
